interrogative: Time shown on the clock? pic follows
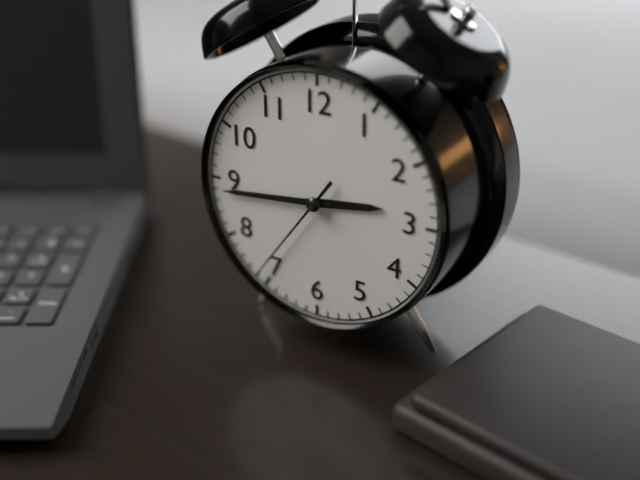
2:44:36
